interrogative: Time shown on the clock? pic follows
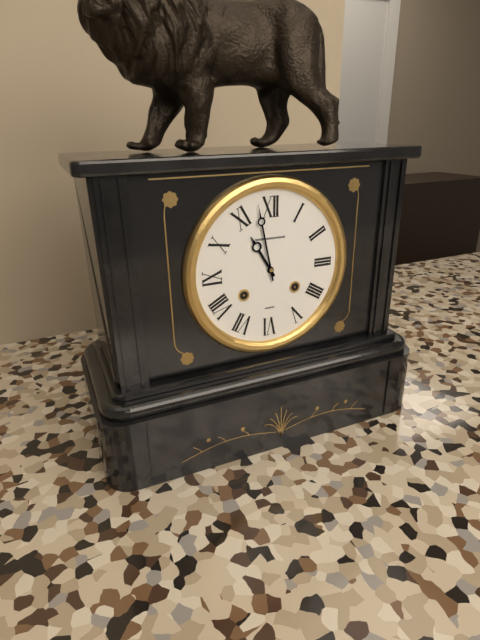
10:58
